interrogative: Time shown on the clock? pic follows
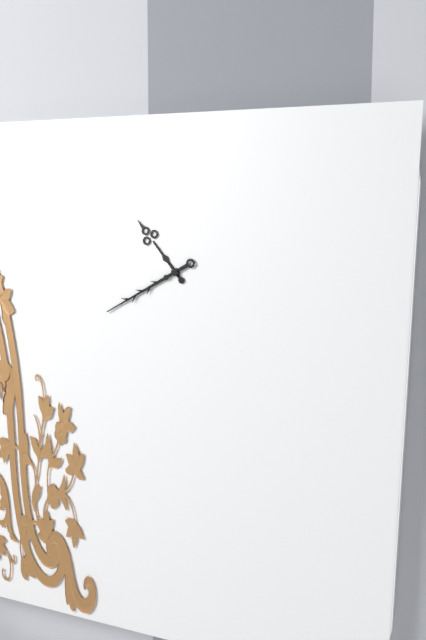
10:40
